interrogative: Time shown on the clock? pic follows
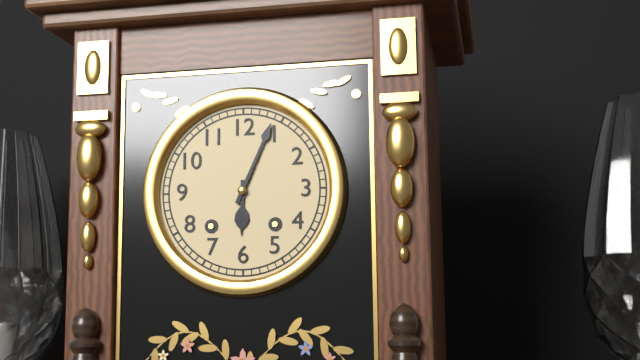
6:04
